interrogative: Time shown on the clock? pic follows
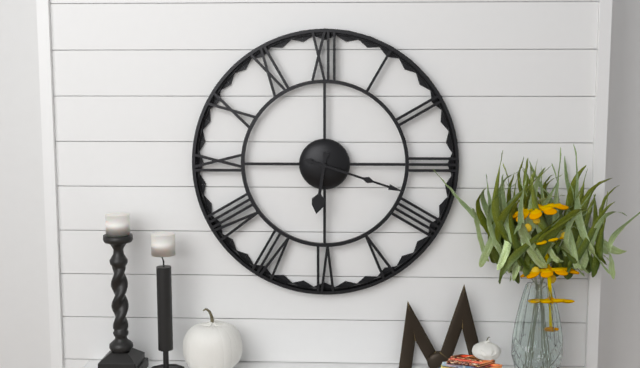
6:18
